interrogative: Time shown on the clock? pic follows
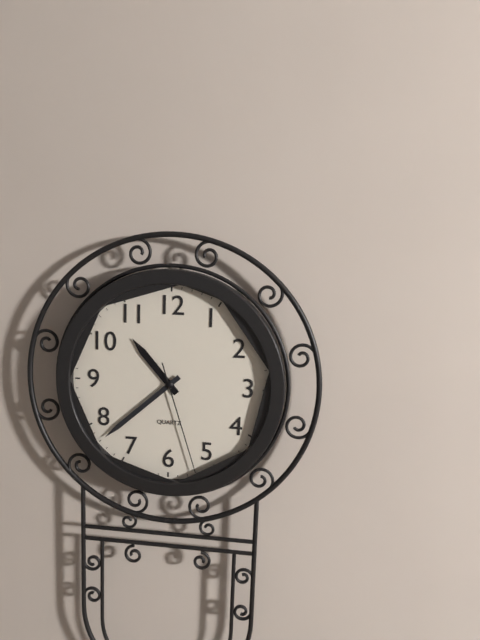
10:38:27
